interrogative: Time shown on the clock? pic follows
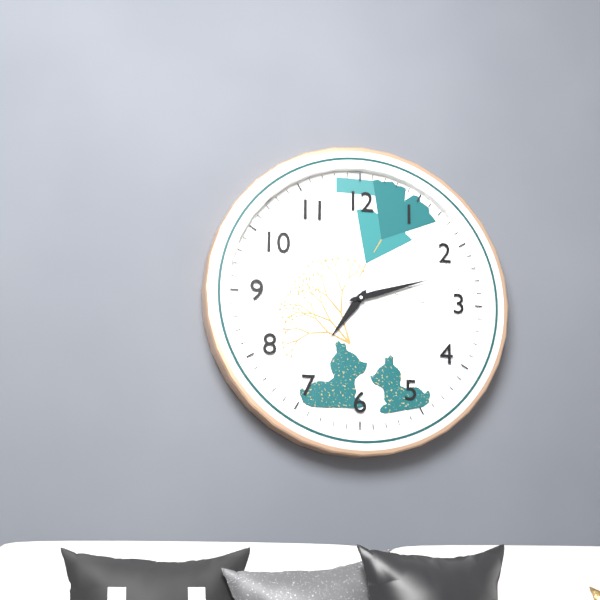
7:12
